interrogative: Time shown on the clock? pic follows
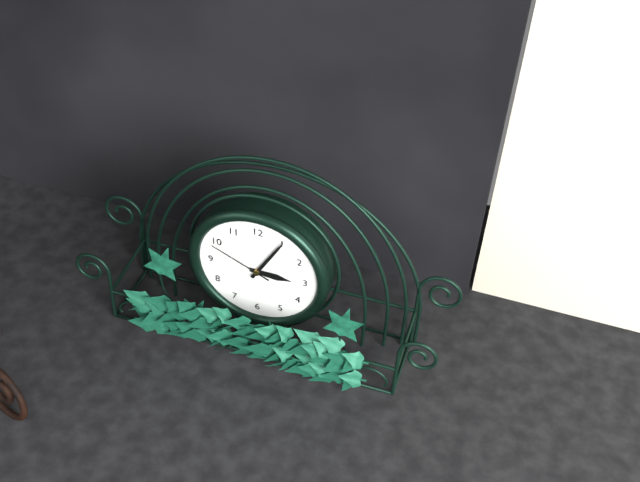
3:05:49
